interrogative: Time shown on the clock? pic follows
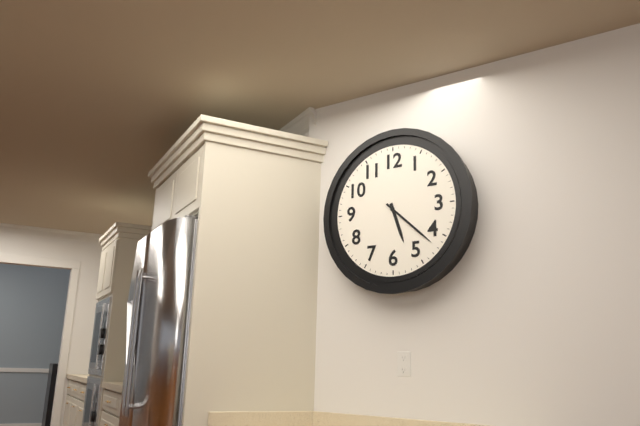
5:22
